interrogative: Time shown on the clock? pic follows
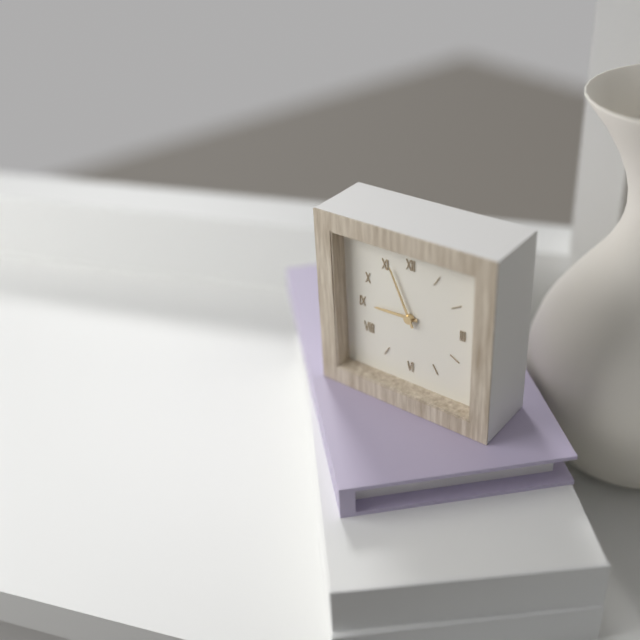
8:56
